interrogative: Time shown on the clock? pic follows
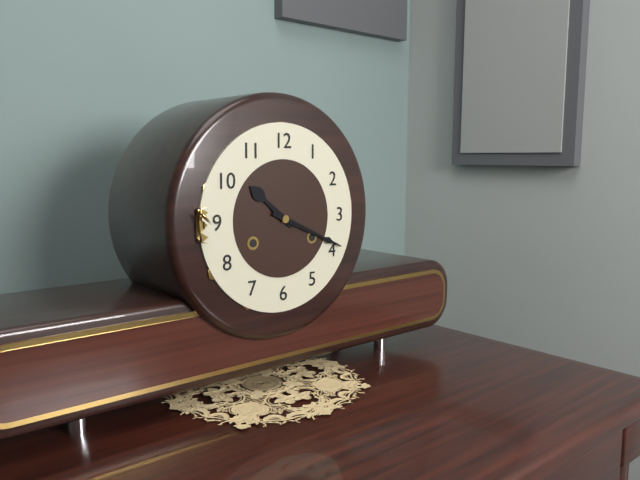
10:19
